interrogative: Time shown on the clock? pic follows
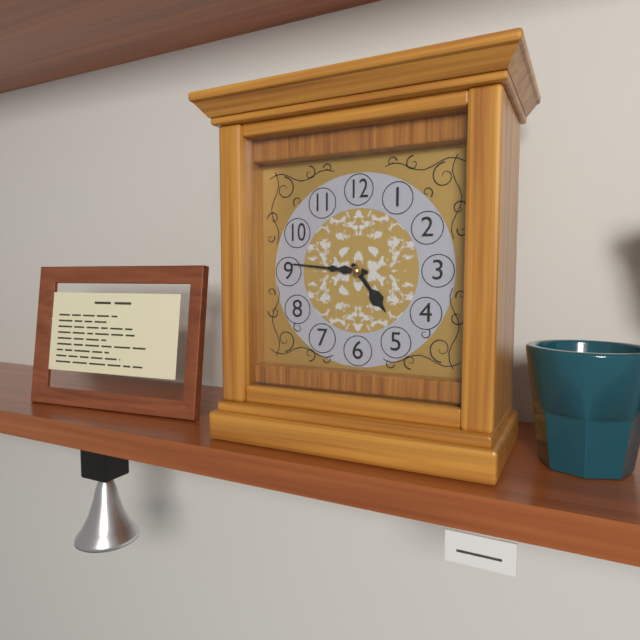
4:46
